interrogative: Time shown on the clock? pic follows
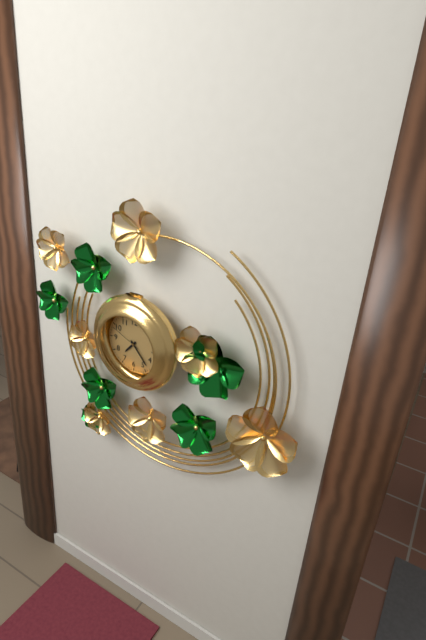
7:23
